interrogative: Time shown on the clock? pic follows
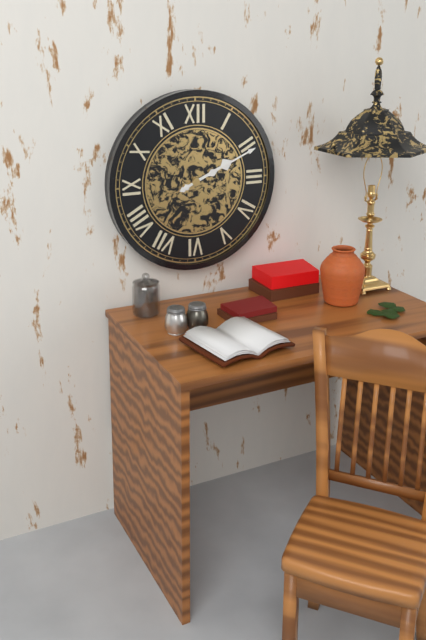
2:11
